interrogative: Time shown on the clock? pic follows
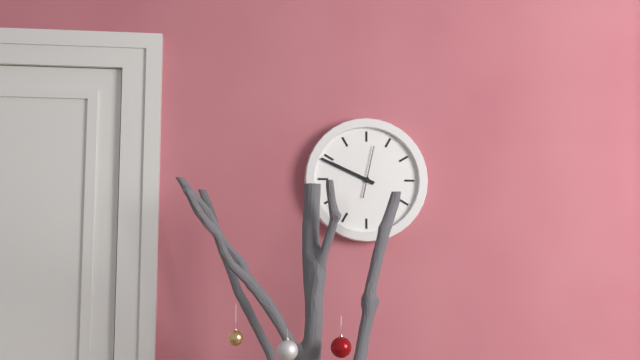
9:49
